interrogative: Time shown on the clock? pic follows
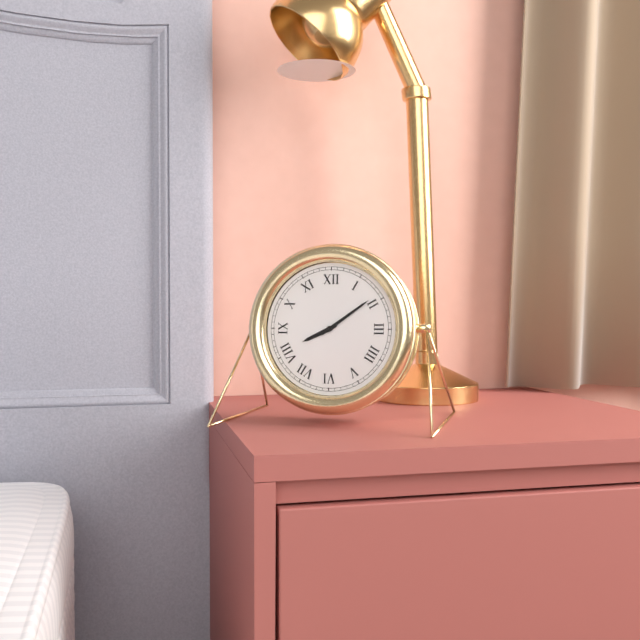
8:09
